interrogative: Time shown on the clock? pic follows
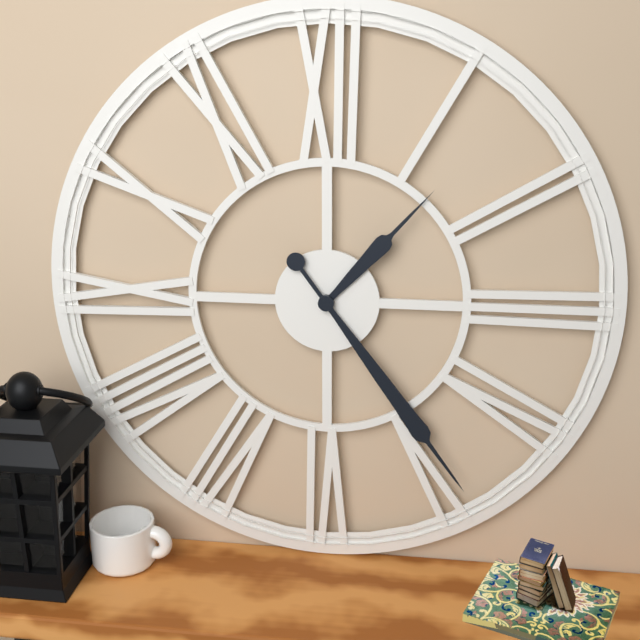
1:24
